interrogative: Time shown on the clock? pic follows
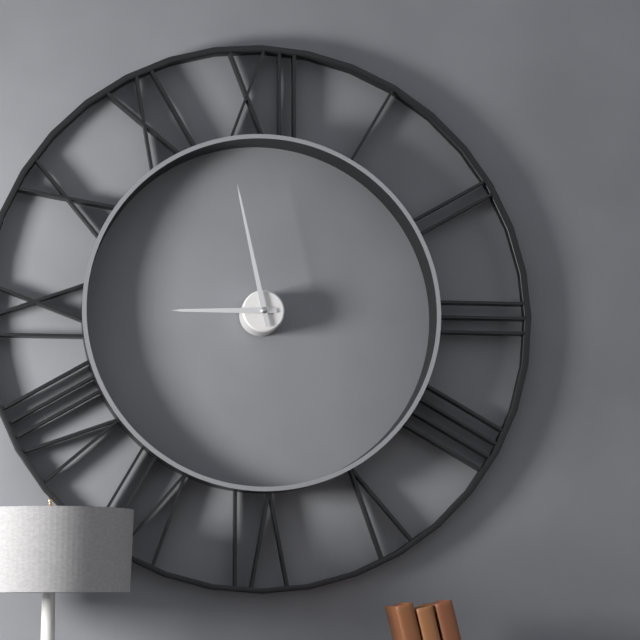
8:58
